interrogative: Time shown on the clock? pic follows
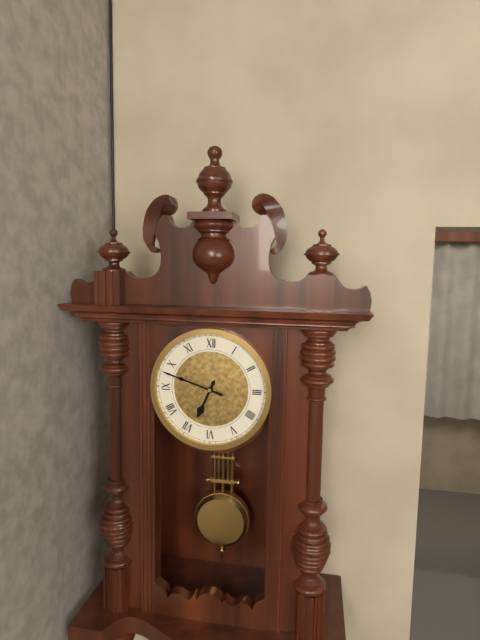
6:48
